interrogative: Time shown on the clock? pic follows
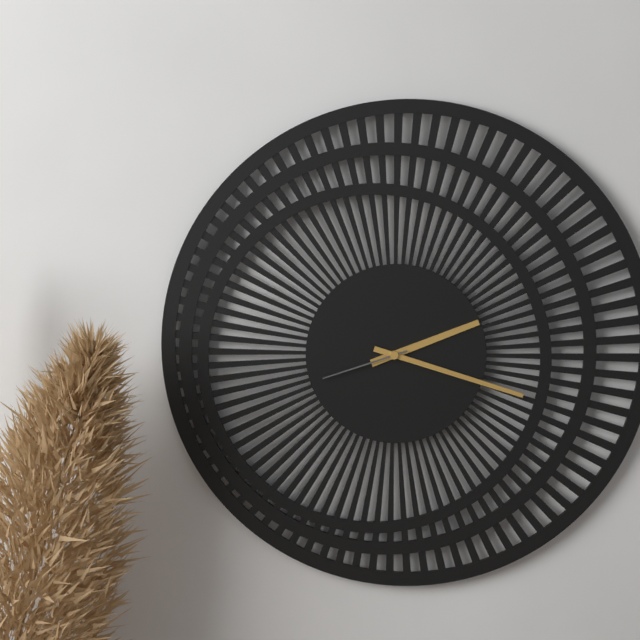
2:18:42
